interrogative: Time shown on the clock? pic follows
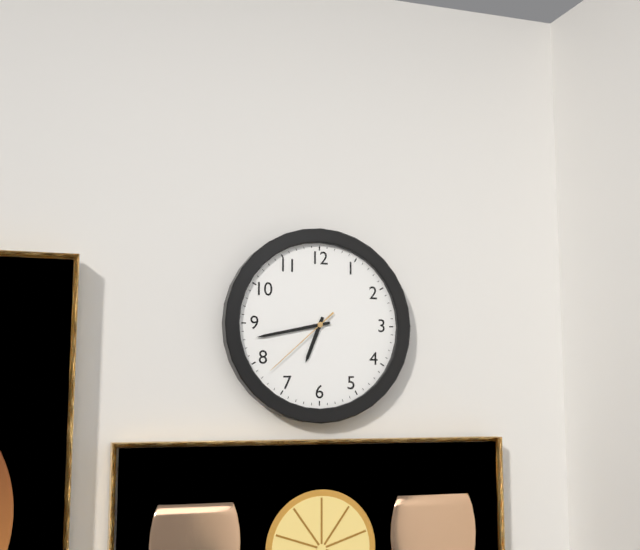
6:43:38
